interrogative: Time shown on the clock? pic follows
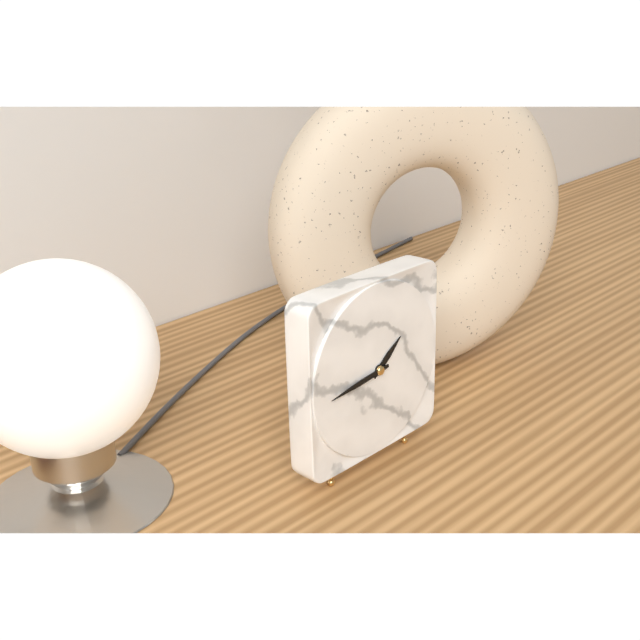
1:44
